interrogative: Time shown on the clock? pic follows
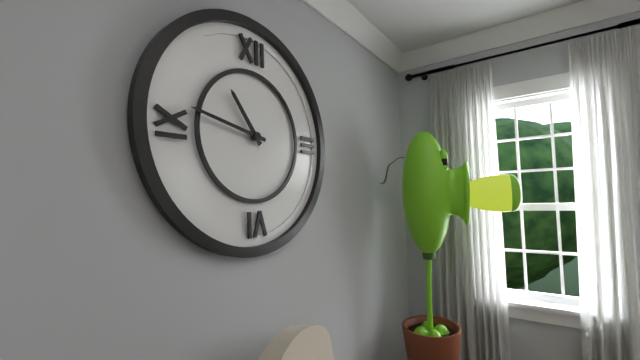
10:47
